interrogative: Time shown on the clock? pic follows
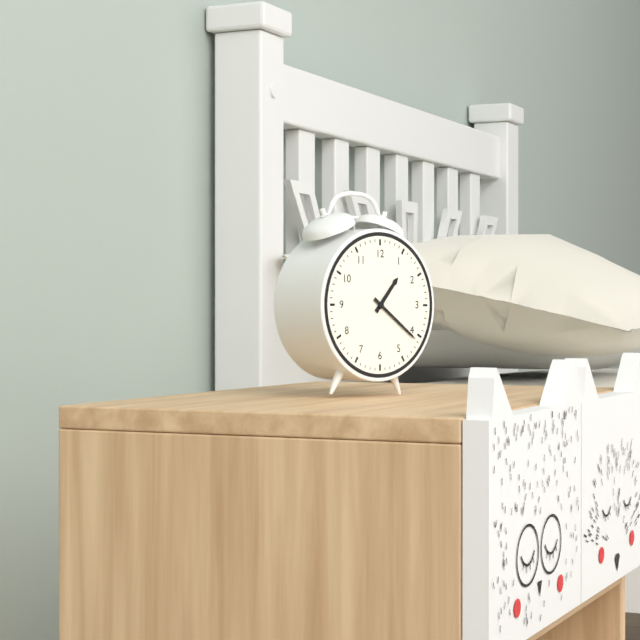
1:21
